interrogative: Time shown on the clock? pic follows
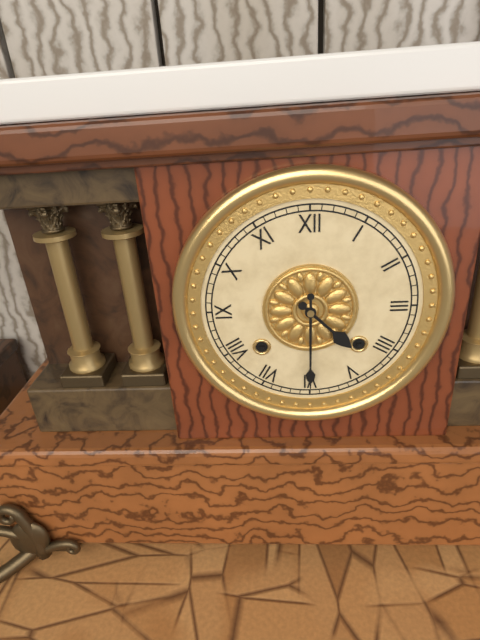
4:30
